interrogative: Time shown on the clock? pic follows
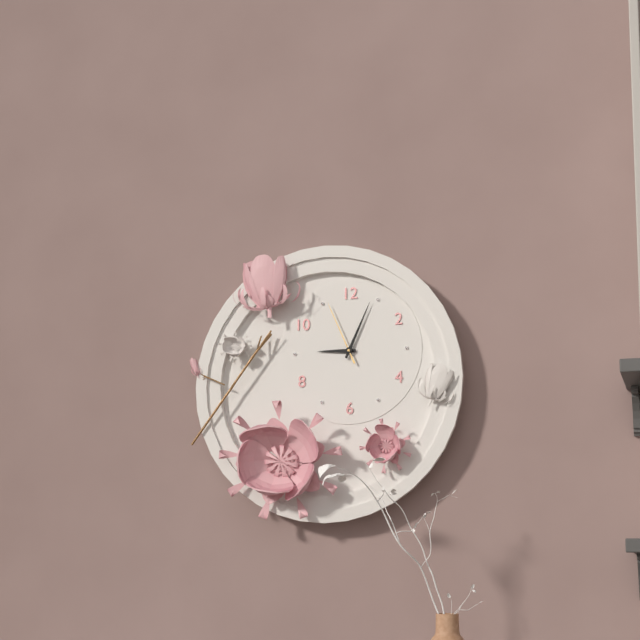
9:04:56
